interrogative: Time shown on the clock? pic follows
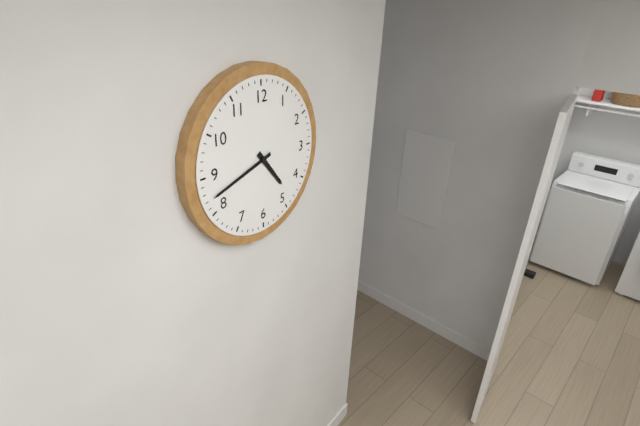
4:42
